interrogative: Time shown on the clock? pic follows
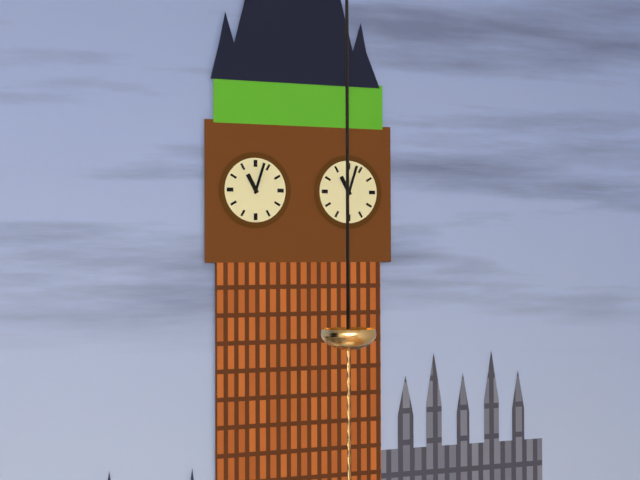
11:03
